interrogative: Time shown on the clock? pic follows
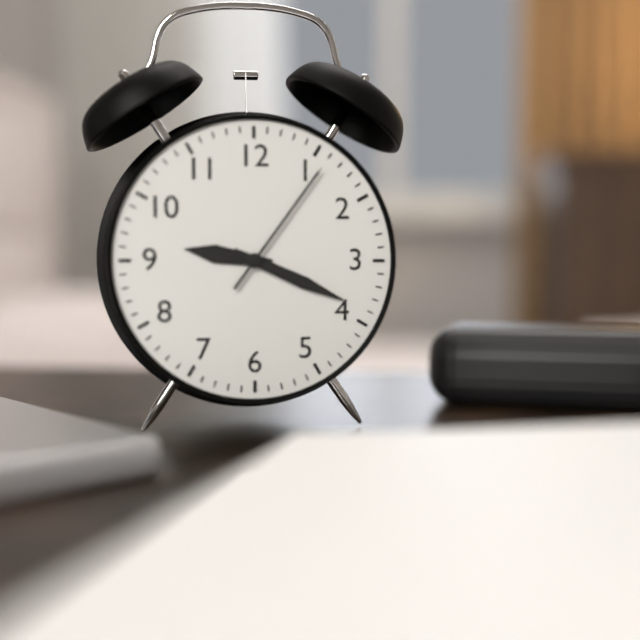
9:19:06
